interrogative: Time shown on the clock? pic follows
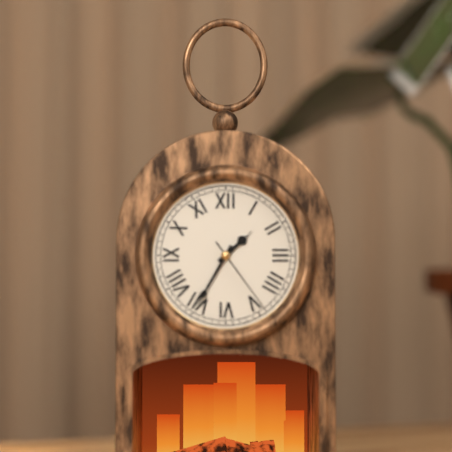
1:35:24
